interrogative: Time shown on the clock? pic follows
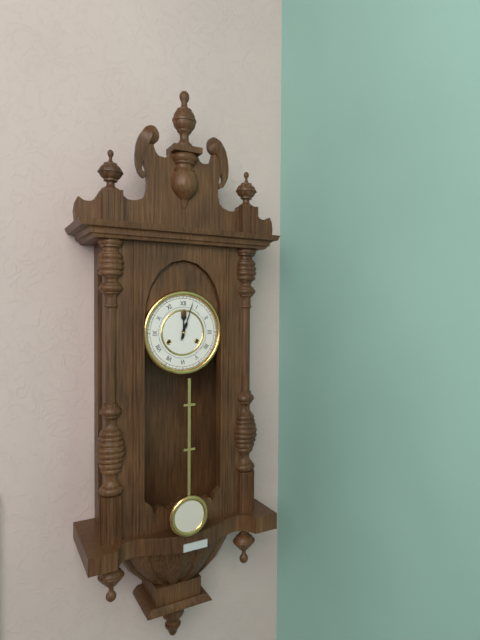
12:03
